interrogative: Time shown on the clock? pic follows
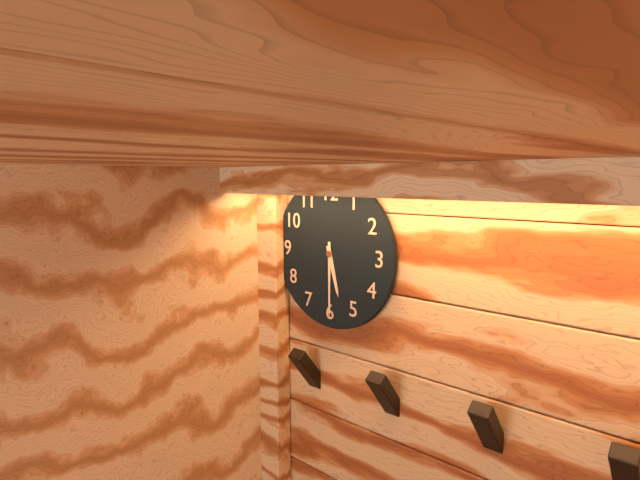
5:30
